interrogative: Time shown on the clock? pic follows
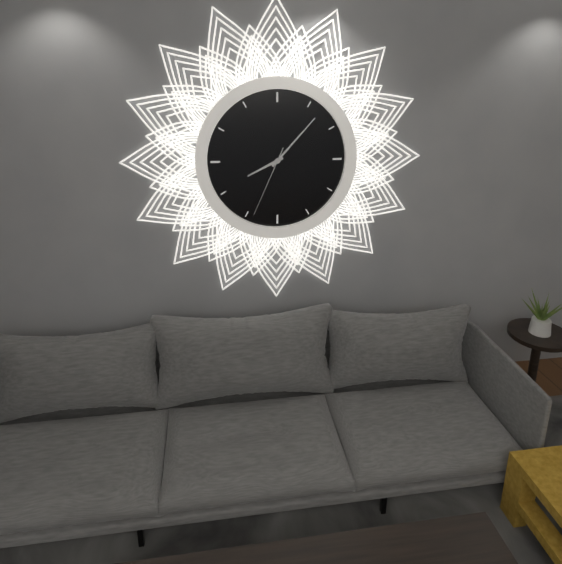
8:07:34
